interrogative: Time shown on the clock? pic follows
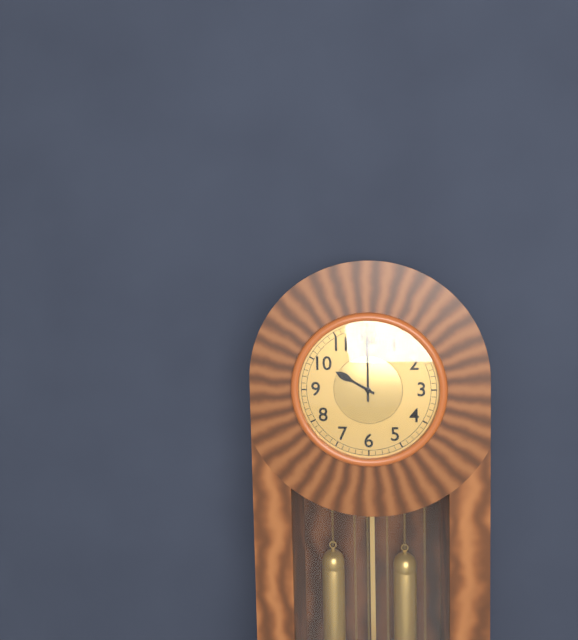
10:00
